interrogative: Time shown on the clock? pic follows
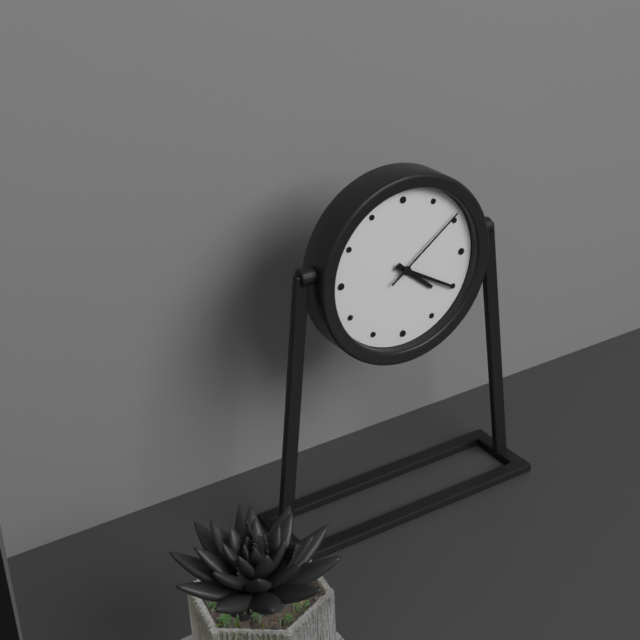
4:20:09
